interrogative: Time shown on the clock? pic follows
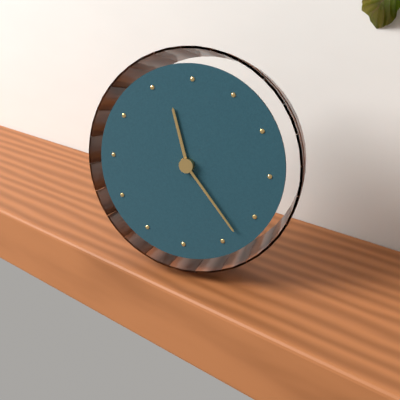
11:23
